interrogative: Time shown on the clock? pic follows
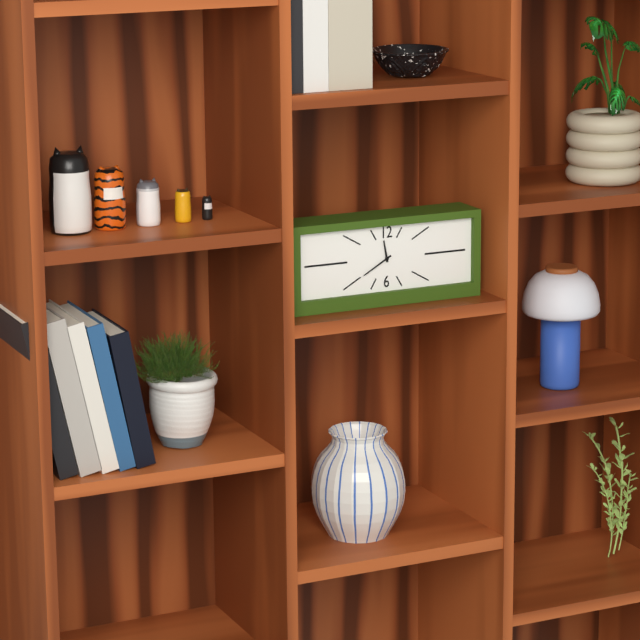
11:40
